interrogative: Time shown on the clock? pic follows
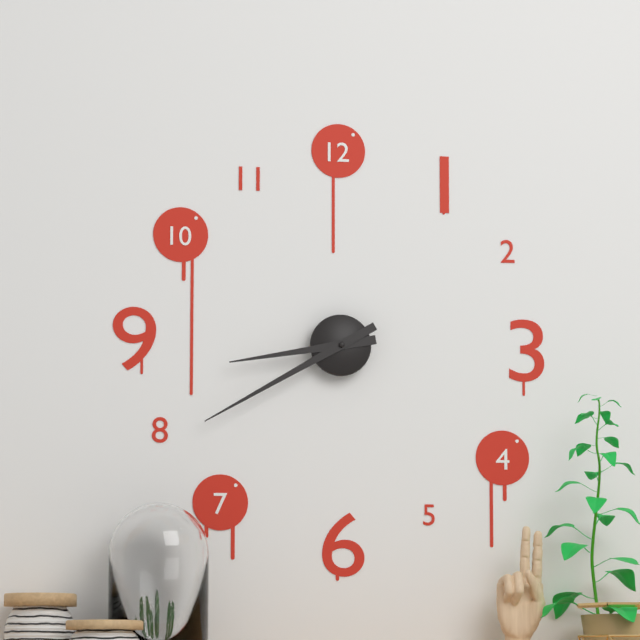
8:40
